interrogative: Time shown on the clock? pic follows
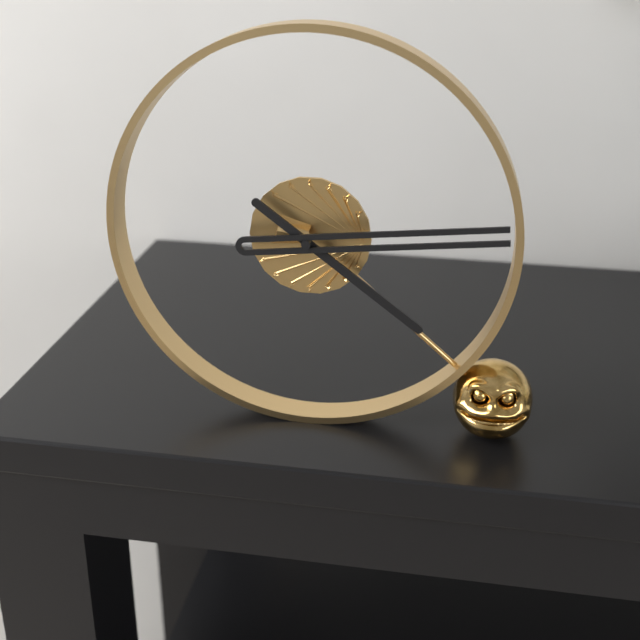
4:14
